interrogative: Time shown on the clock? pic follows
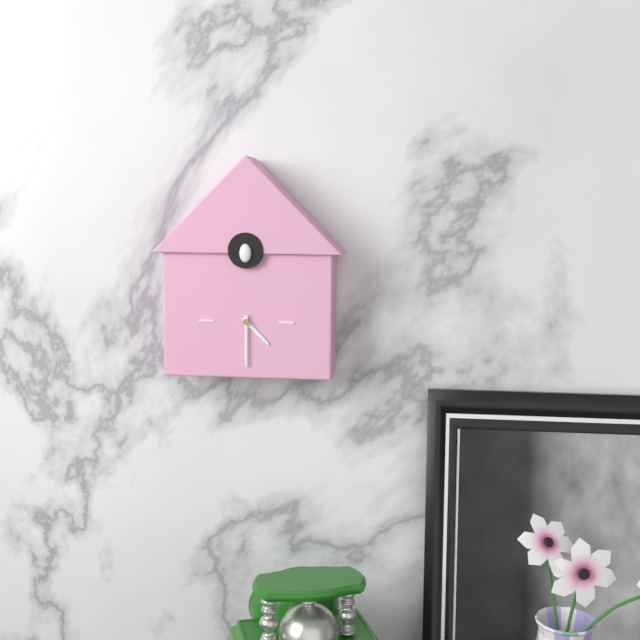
4:30
